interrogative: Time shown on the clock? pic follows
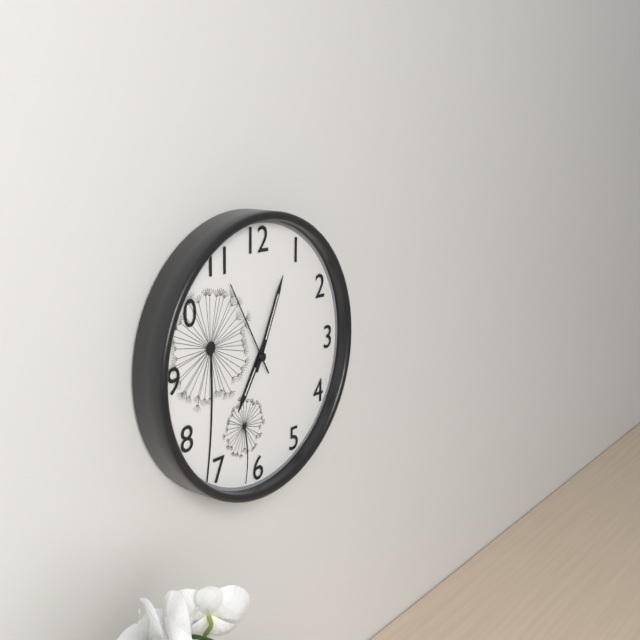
7:04:55
